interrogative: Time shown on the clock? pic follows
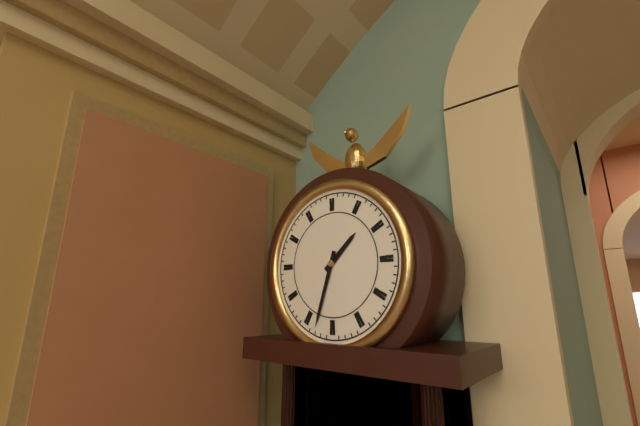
1:33
